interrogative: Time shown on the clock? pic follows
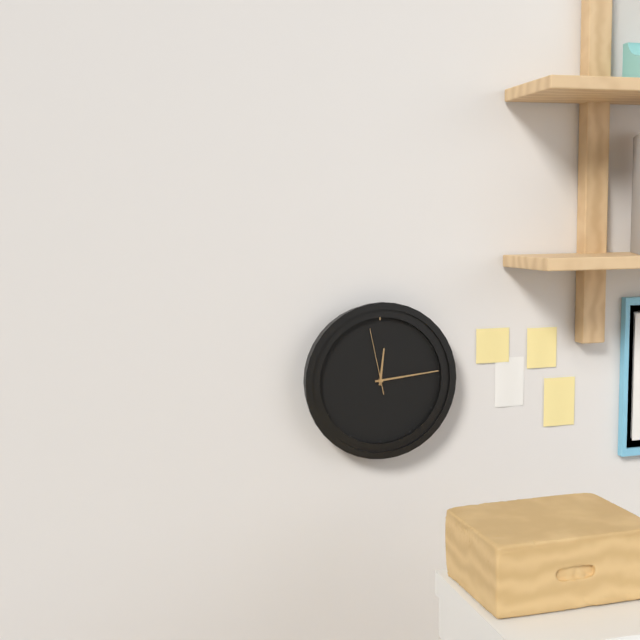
12:14:58
